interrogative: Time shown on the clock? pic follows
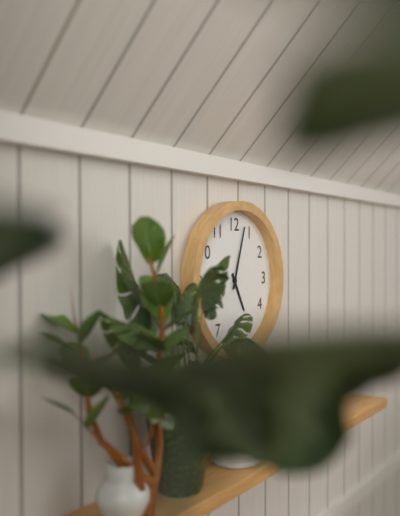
5:03
